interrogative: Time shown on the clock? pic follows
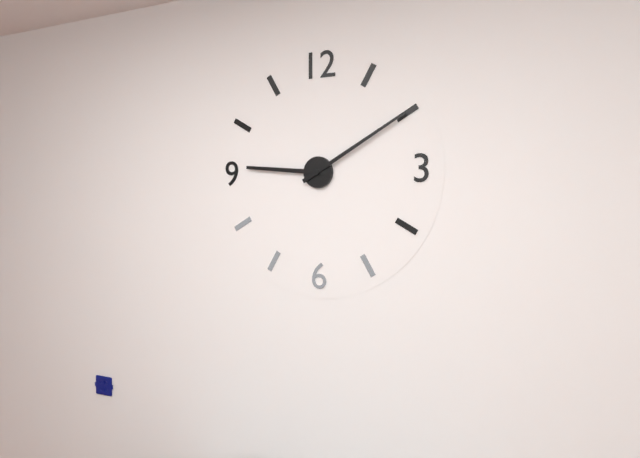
9:10
